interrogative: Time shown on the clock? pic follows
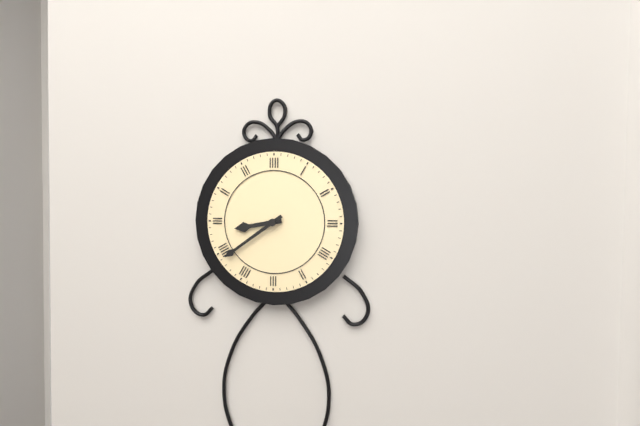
8:39
